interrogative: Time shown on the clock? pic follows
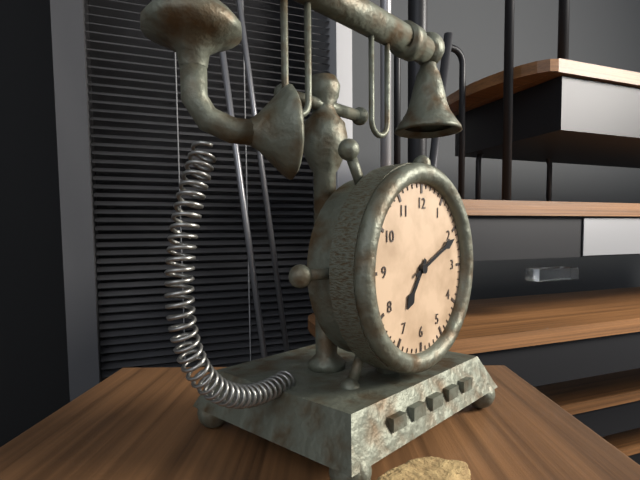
7:11
